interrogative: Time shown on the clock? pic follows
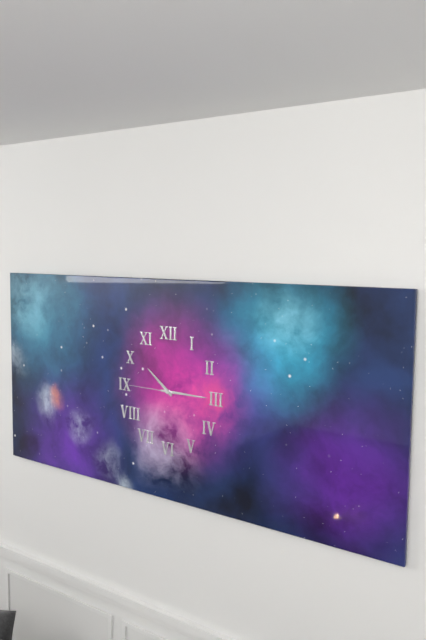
10:15:45
